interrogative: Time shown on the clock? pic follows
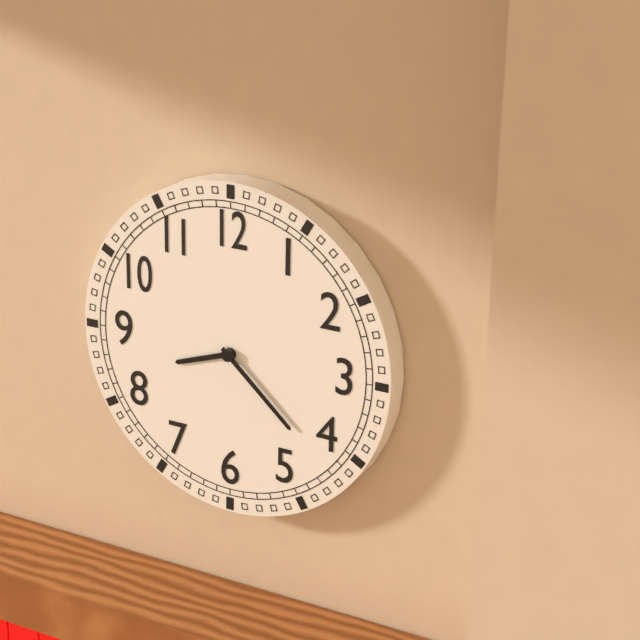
8:22
